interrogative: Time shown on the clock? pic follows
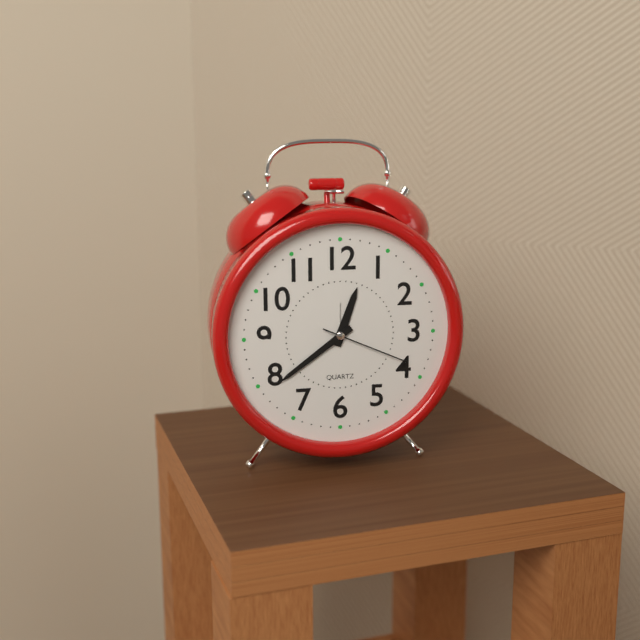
12:39:19
